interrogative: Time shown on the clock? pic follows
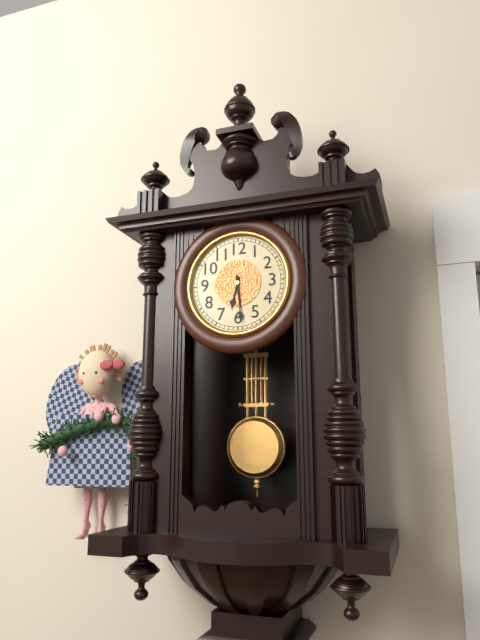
6:29
